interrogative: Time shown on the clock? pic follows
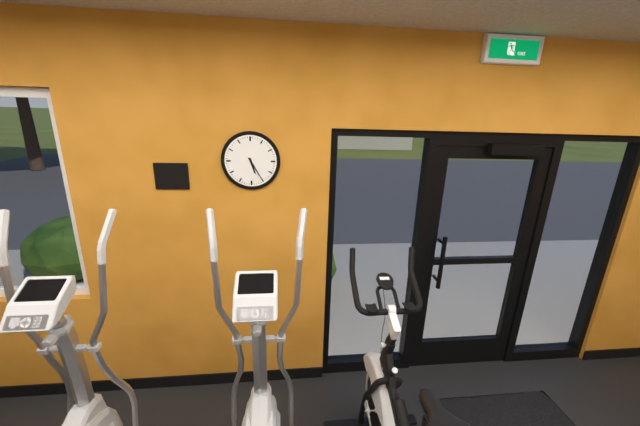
5:25
